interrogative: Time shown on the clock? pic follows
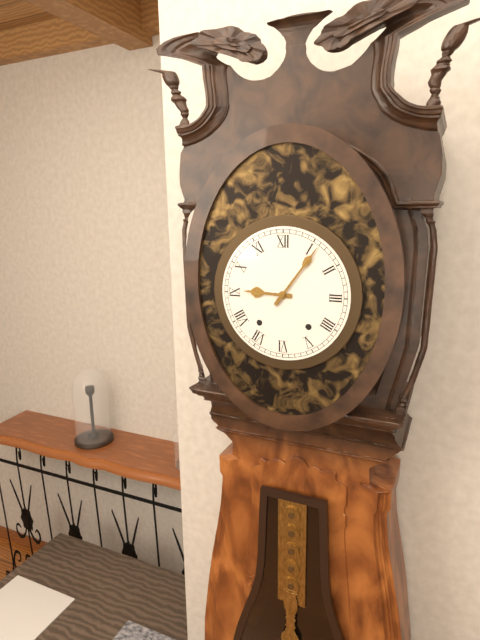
9:06
